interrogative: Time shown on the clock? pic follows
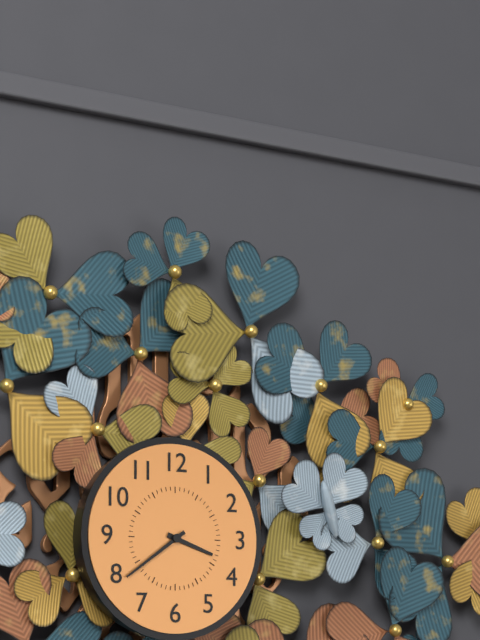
3:39
